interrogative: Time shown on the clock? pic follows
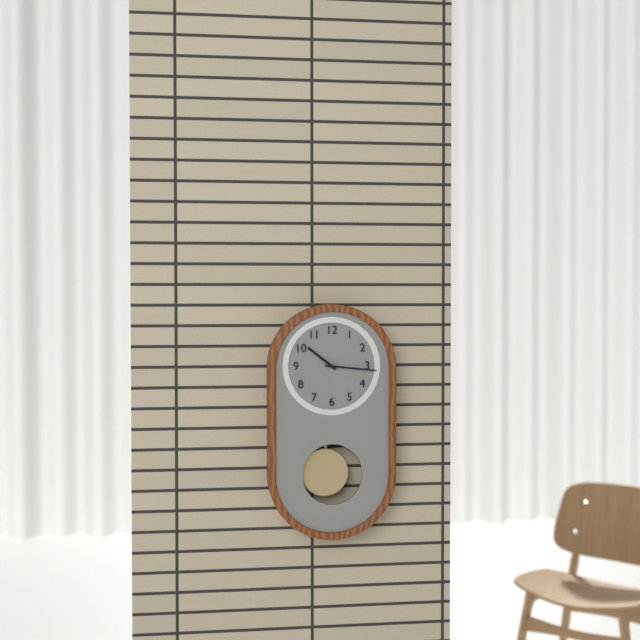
10:16
